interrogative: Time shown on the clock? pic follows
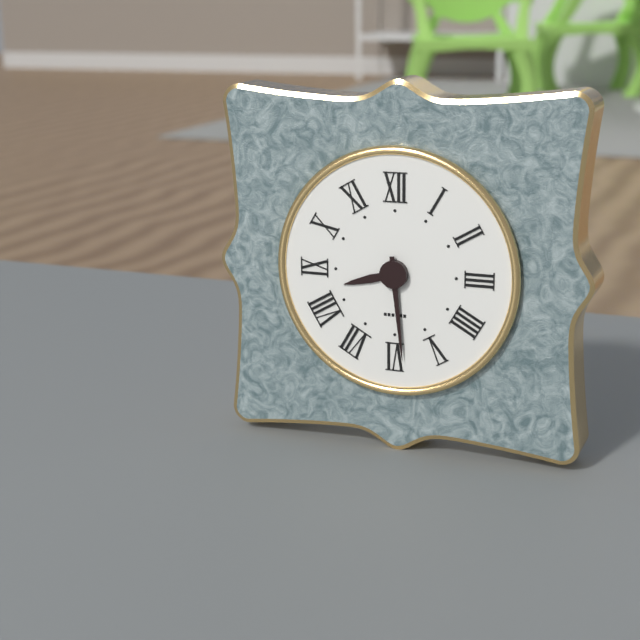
8:29
